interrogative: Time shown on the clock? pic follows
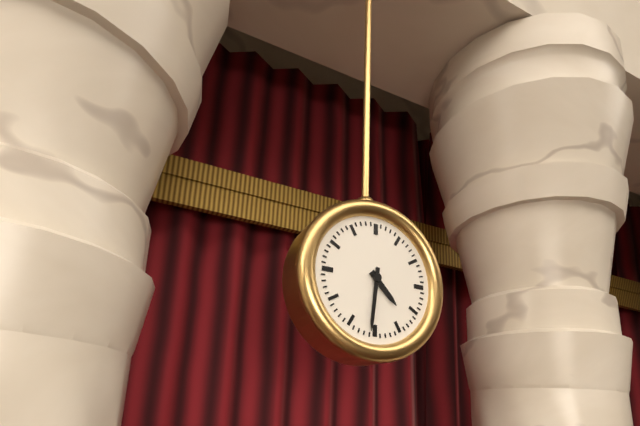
4:31
